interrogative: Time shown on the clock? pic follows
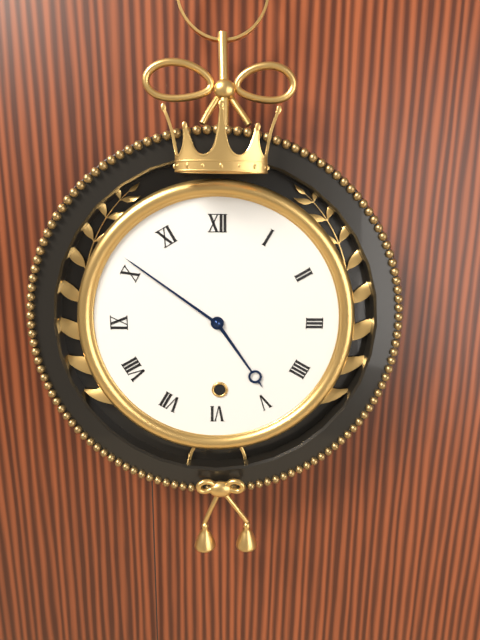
4:51
